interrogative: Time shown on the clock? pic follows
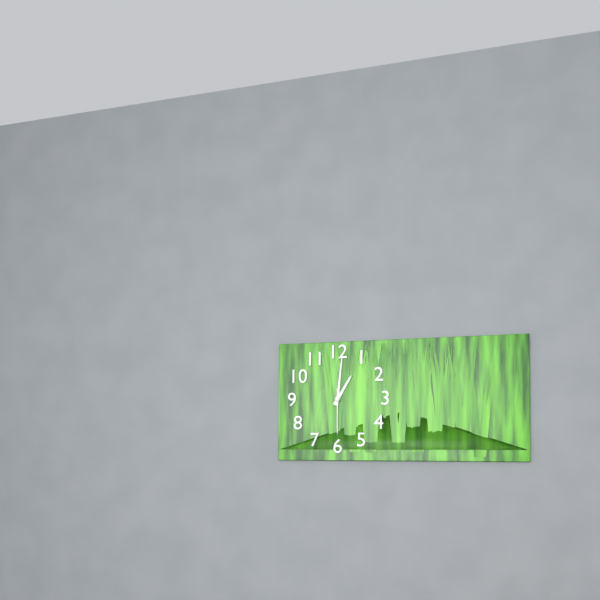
1:01
